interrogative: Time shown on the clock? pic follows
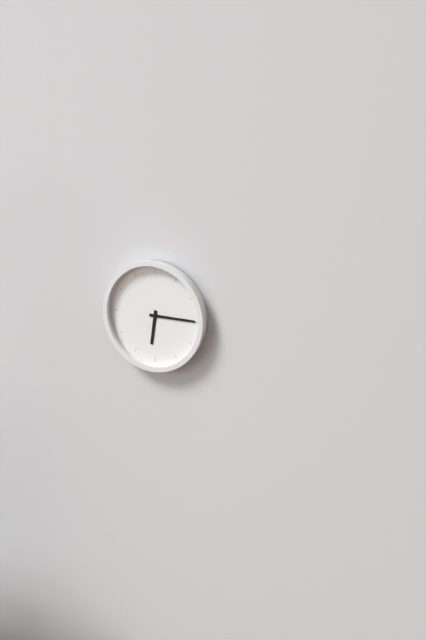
6:15
